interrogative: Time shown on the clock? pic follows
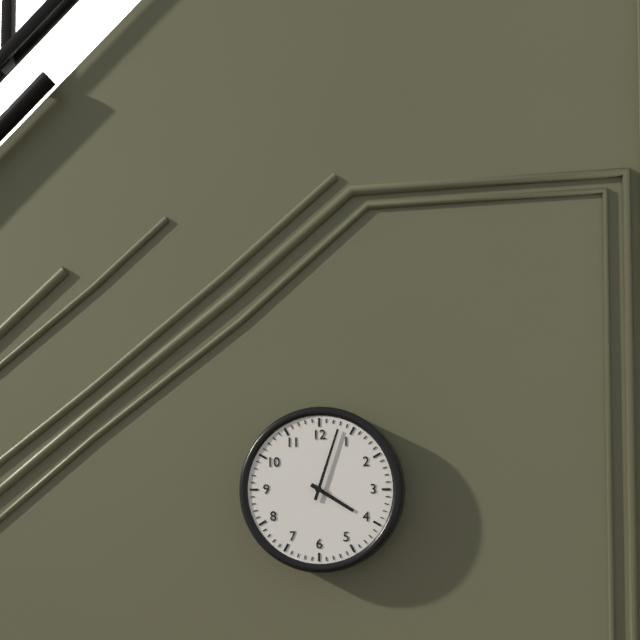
4:03
